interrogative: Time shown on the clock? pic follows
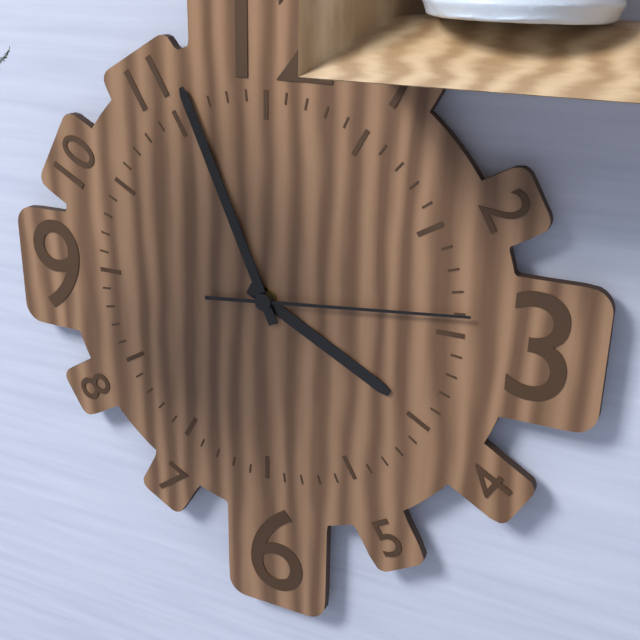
3:56:14
